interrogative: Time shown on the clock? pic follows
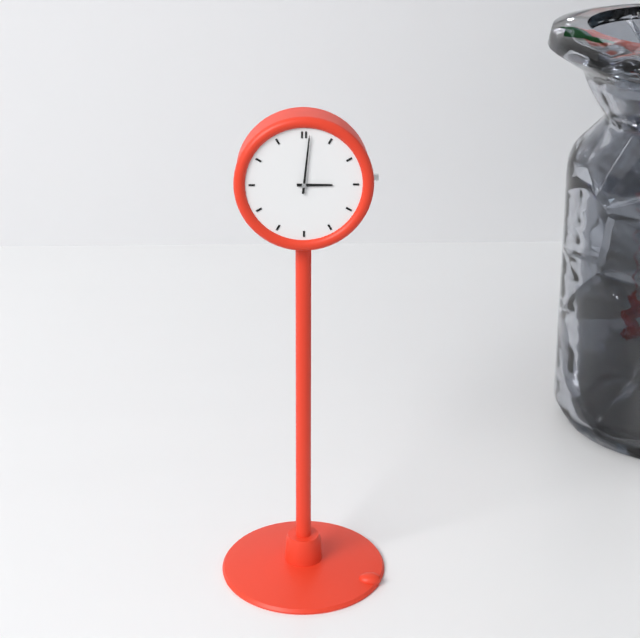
3:01
